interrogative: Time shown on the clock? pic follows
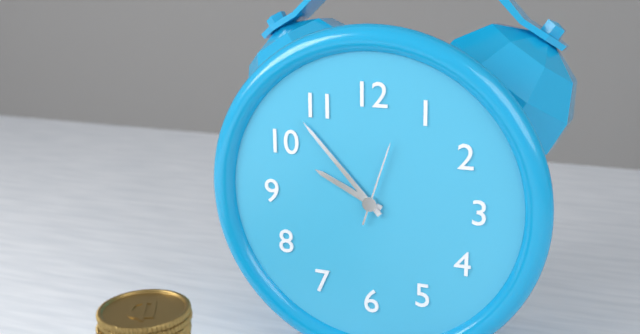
9:53:03
